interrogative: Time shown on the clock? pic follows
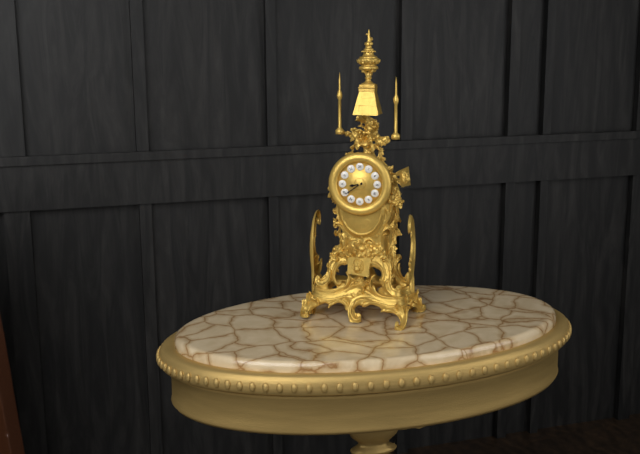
8:39
